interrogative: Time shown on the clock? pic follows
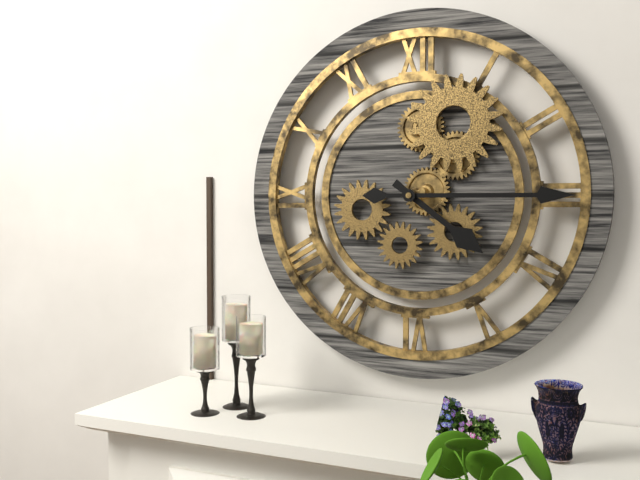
4:15
